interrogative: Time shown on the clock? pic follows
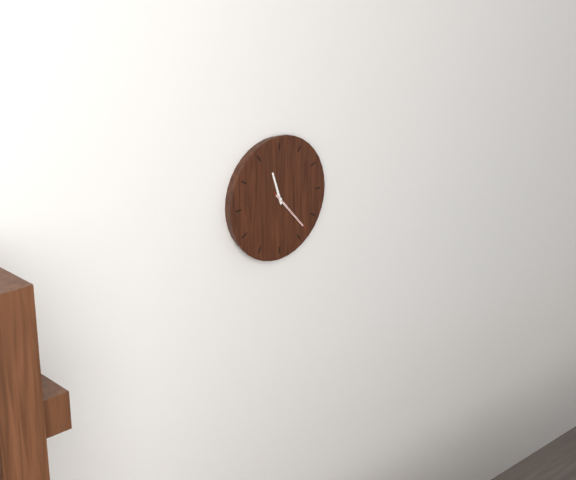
11:23
